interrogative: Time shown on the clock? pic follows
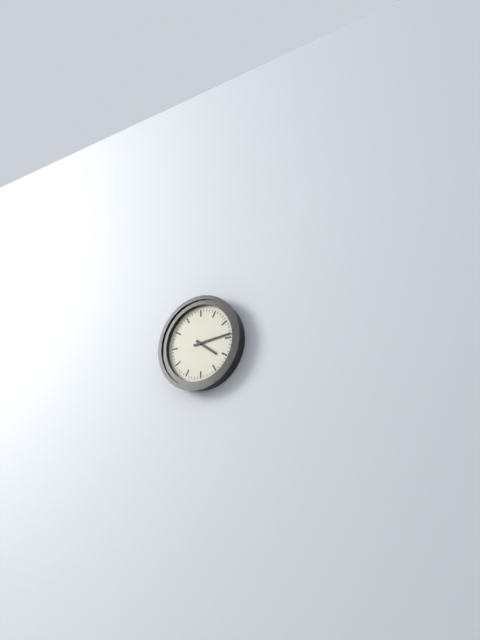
4:14
